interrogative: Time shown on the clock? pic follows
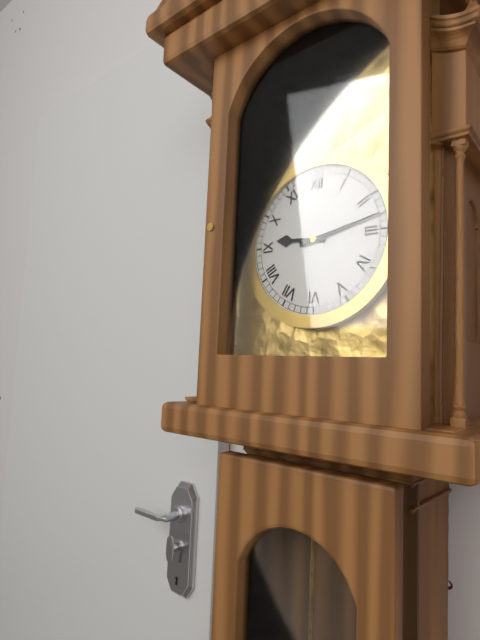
9:13
